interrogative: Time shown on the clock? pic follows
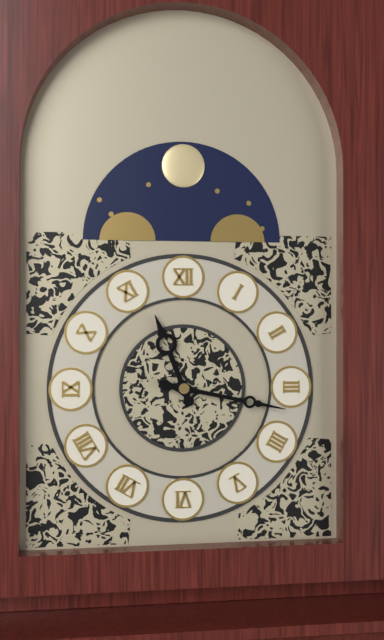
11:17
